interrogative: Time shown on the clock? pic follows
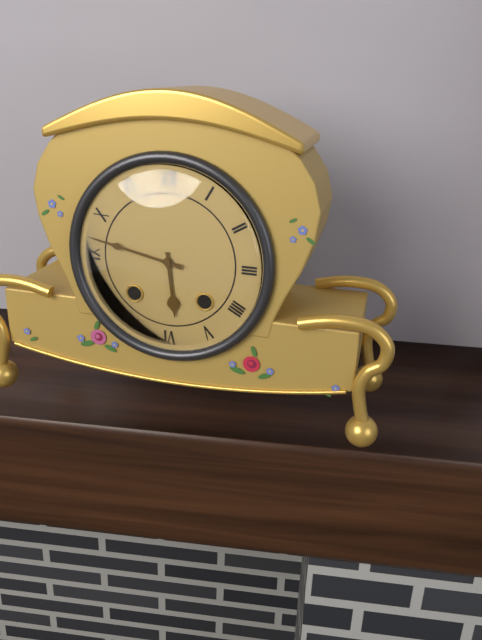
5:47
